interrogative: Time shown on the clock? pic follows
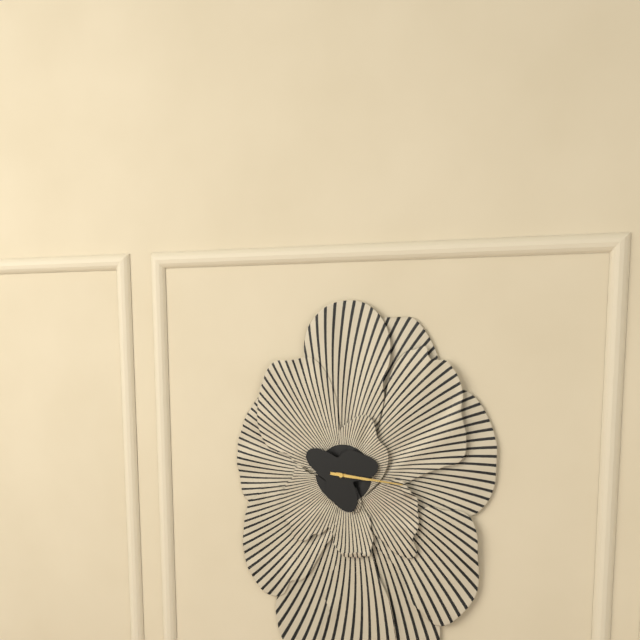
3:16
